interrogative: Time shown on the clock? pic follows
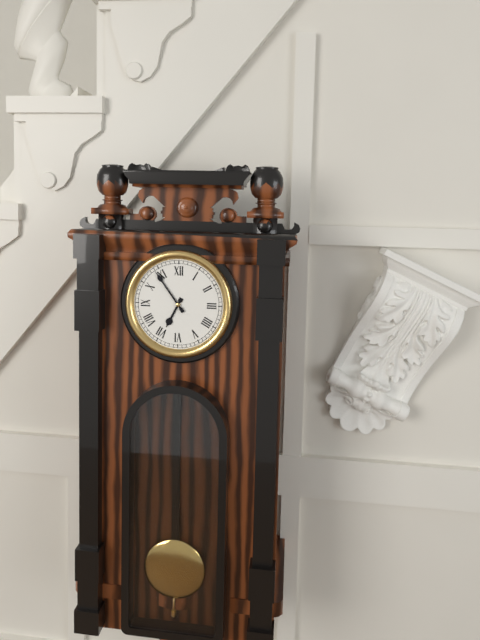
6:54
